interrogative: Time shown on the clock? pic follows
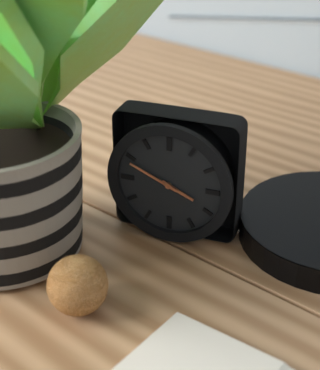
3:49
